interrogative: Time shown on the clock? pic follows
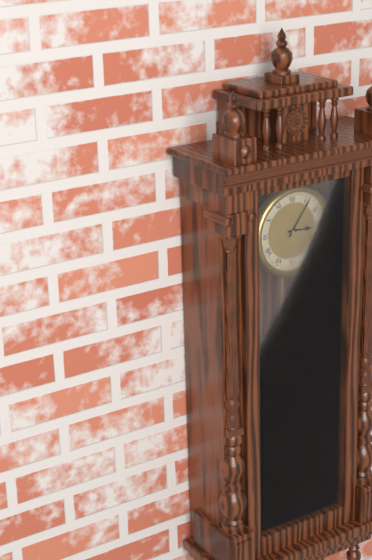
3:06
